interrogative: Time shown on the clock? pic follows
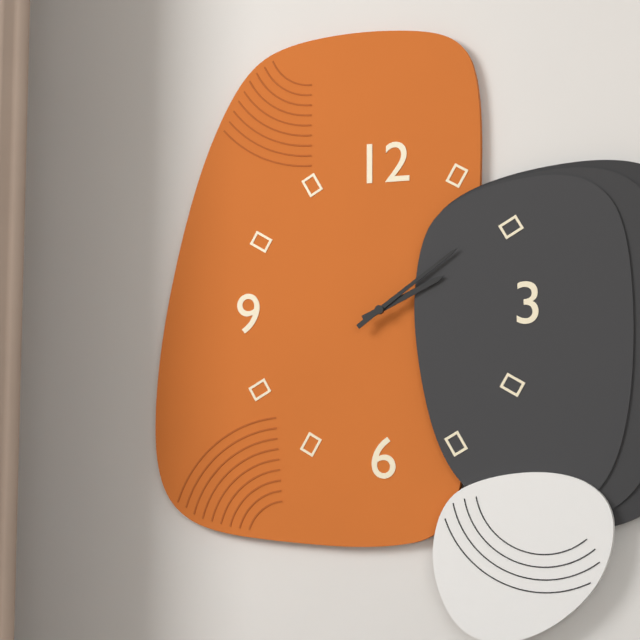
2:09
